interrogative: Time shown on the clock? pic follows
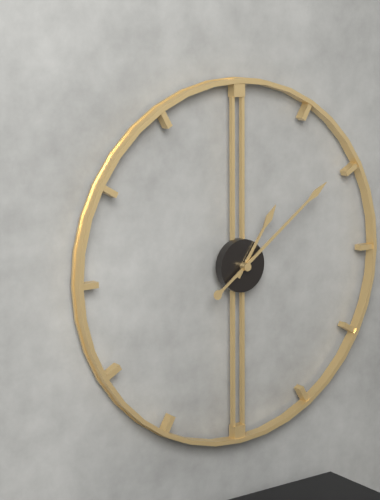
1:09
